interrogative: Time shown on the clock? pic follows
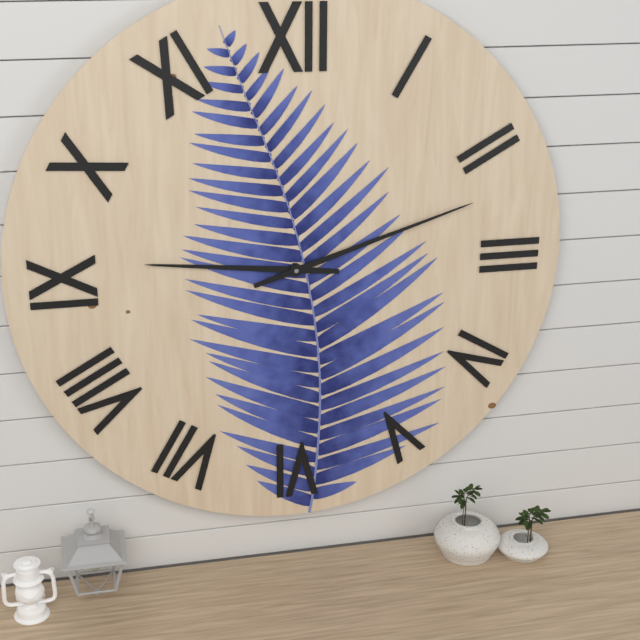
9:12
